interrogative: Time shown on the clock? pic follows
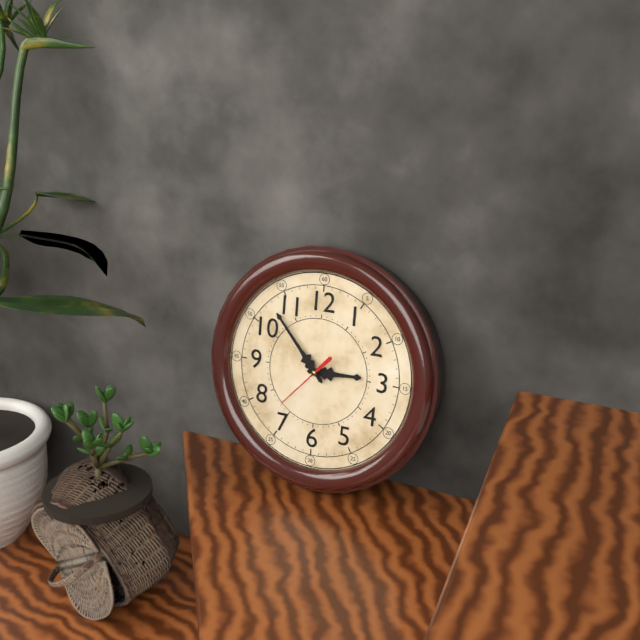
2:53:37
